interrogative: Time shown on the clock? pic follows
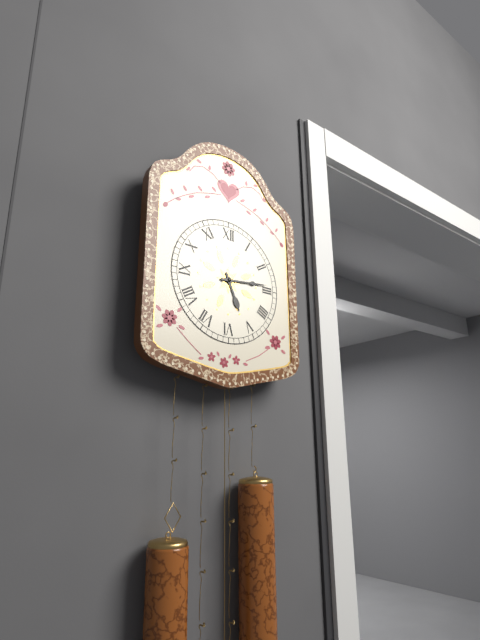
5:14
